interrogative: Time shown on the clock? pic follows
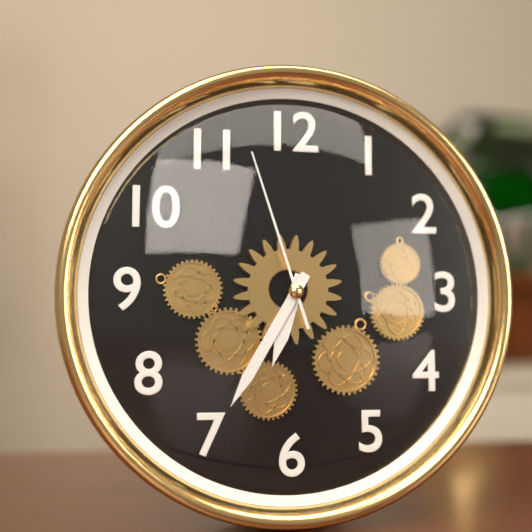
6:35:57
